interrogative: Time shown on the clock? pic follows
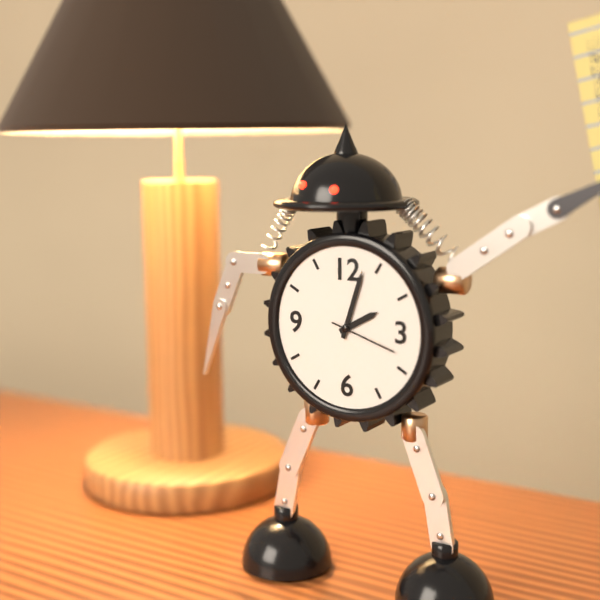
2:03:18
